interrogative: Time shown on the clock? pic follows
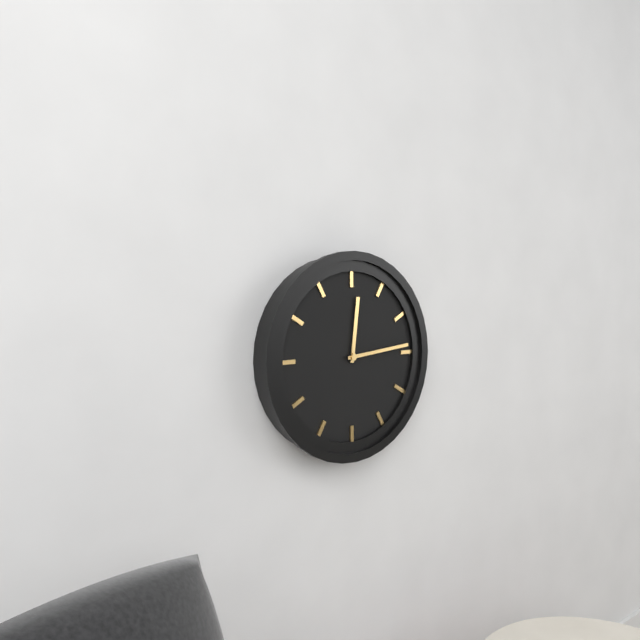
12:14
